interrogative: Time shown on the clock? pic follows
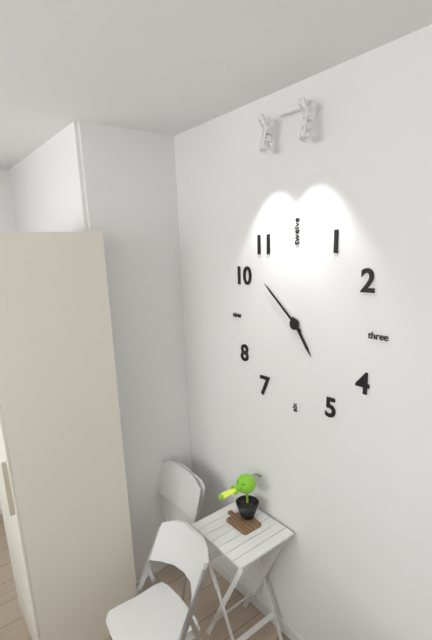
4:52
